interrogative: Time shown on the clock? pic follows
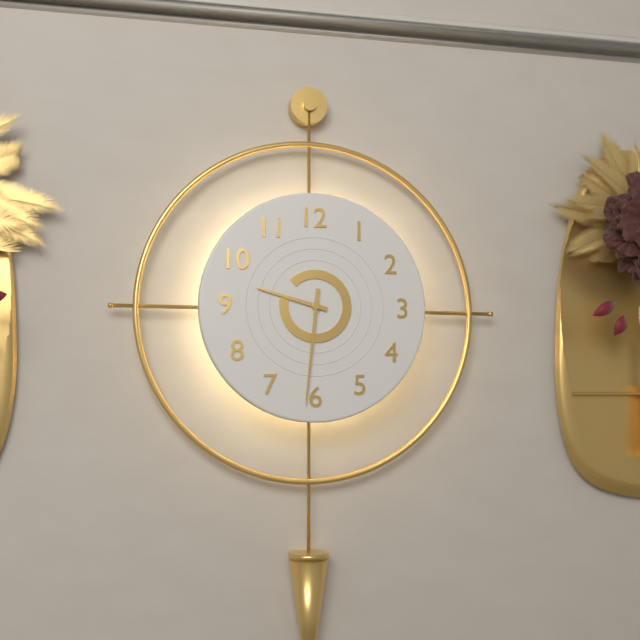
9:31
